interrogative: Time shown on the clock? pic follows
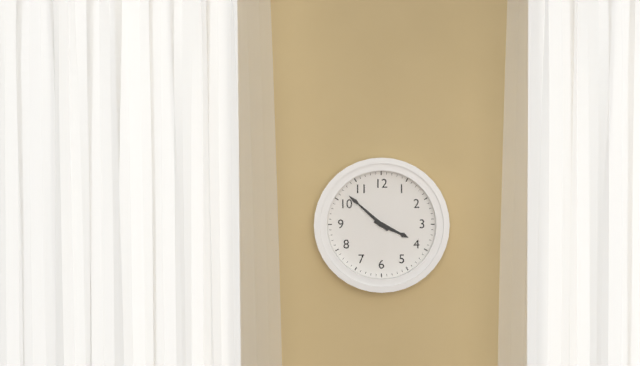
3:52
